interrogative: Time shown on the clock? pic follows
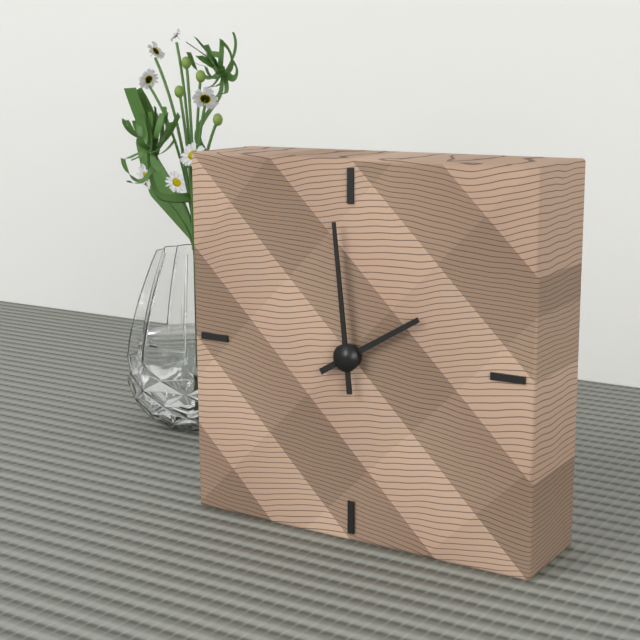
1:59
